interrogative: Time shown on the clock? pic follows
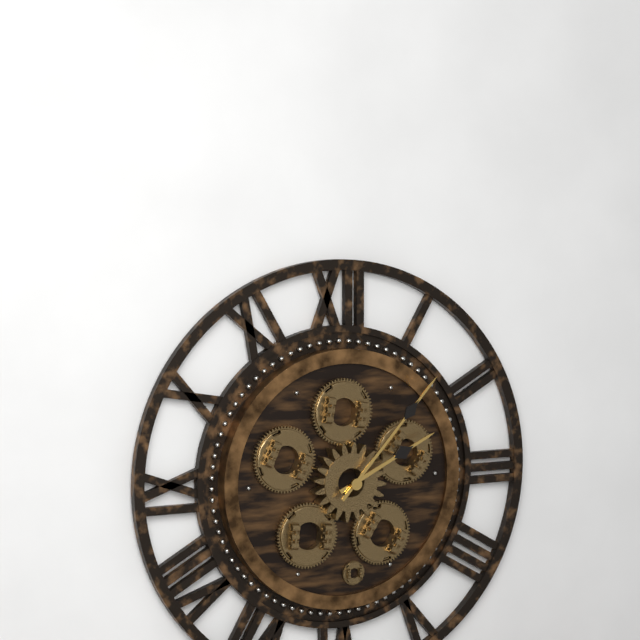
2:07
